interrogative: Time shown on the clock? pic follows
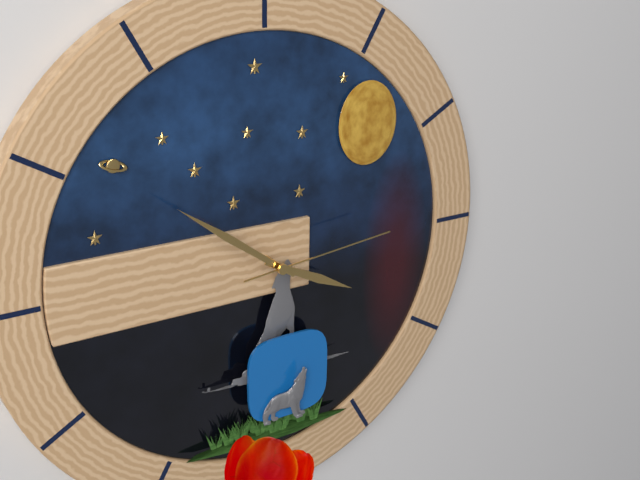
3:51:14
